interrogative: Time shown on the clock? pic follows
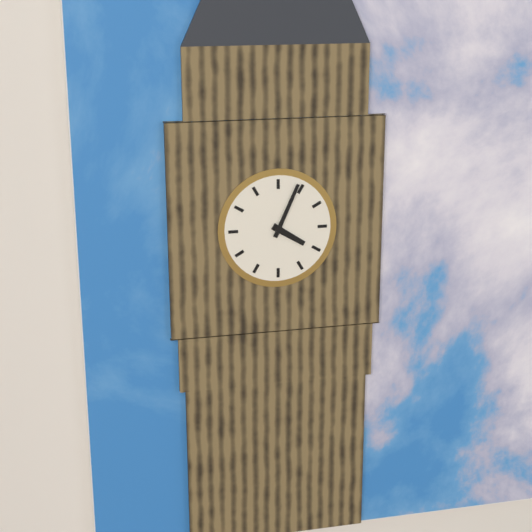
4:04
